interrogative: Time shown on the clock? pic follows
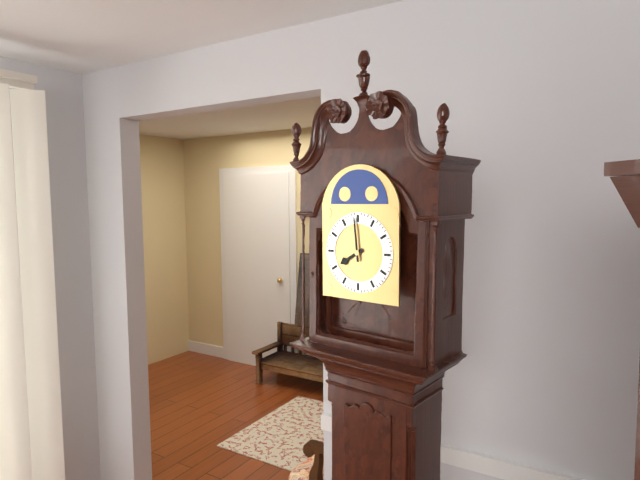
7:59
